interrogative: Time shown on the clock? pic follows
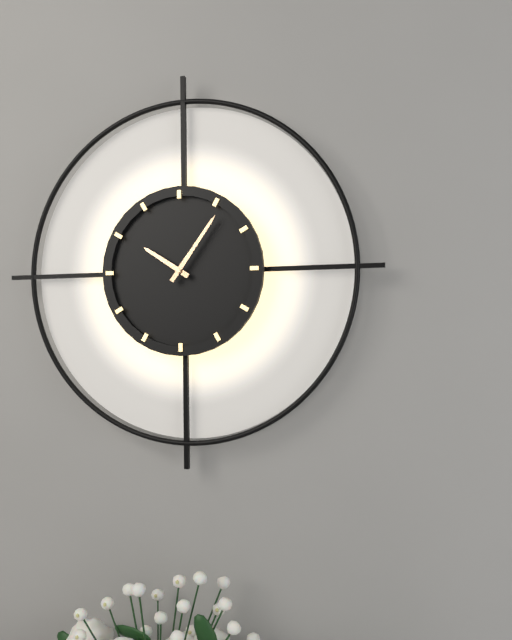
10:06
